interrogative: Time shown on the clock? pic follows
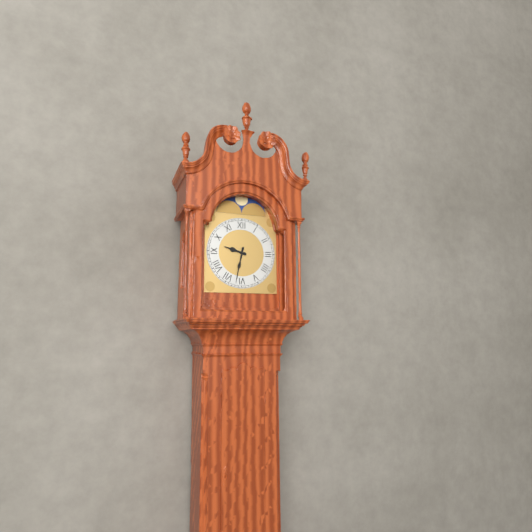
9:32
